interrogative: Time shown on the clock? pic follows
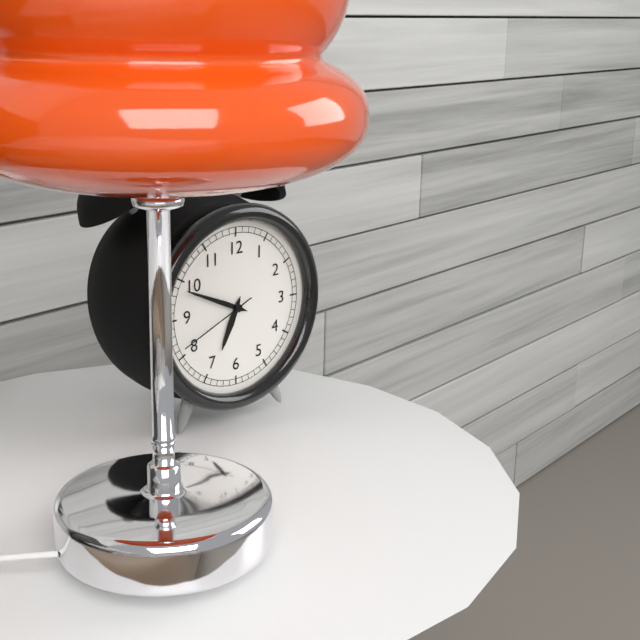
6:49:41
